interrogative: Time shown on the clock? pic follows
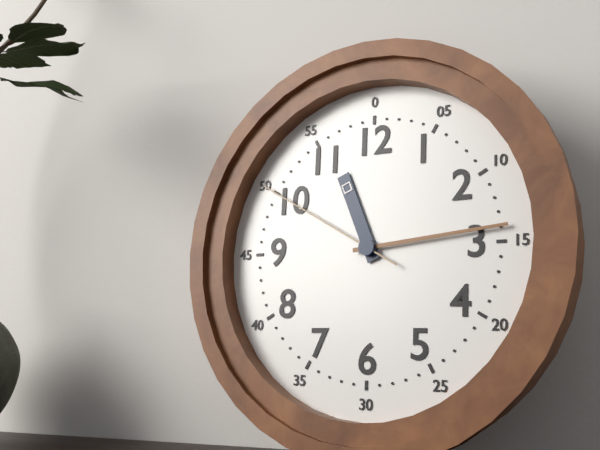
11:14:50
